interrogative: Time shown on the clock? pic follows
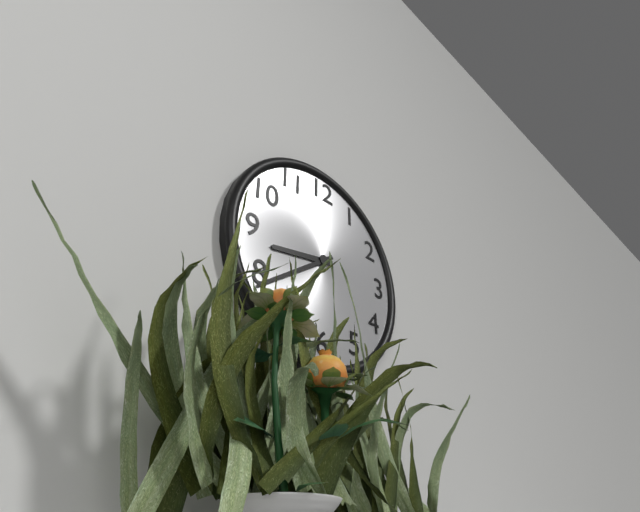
8:39
